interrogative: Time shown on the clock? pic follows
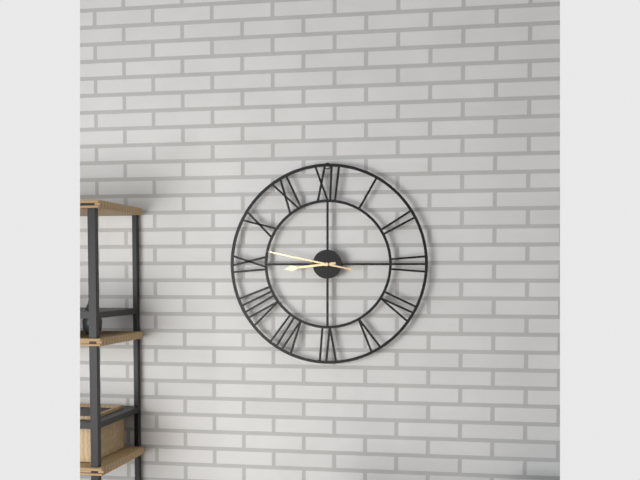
8:47
